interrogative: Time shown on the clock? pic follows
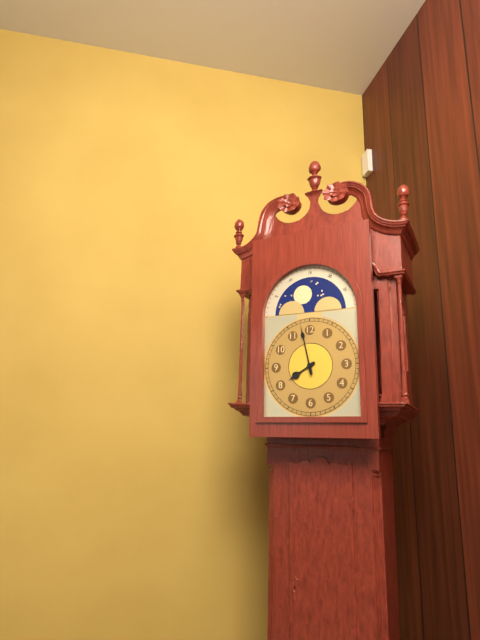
7:58
